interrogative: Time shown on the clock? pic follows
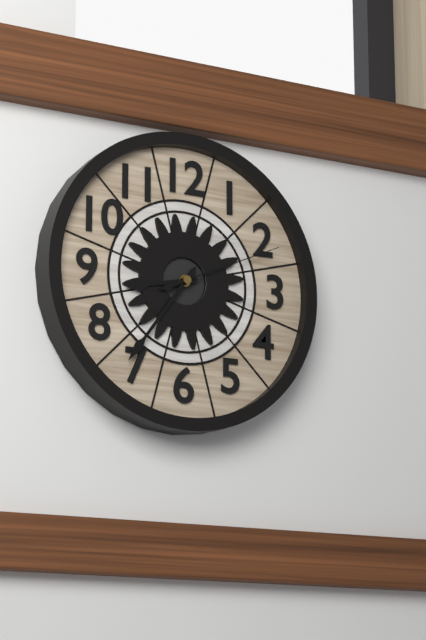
8:36:11
